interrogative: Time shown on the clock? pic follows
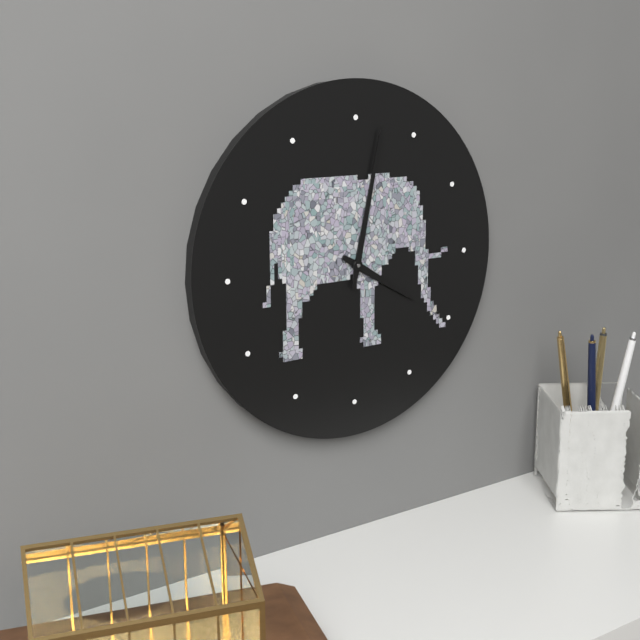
4:02
